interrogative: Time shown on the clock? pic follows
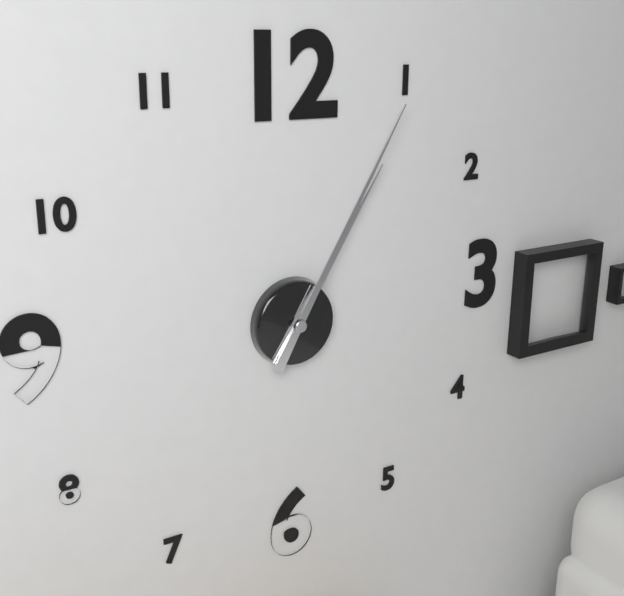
1:05
